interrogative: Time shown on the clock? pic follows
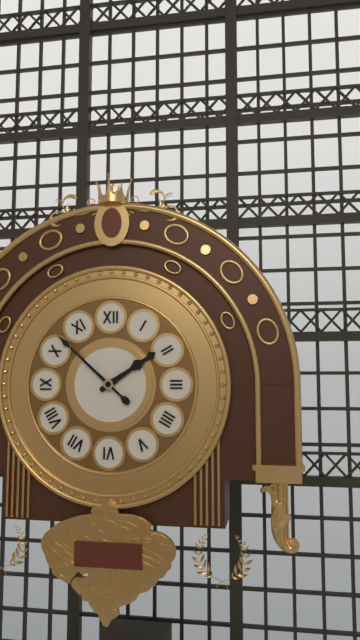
1:52
